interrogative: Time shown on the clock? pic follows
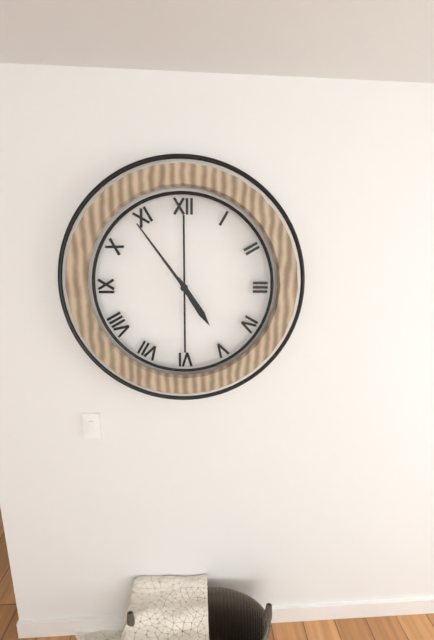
4:54
